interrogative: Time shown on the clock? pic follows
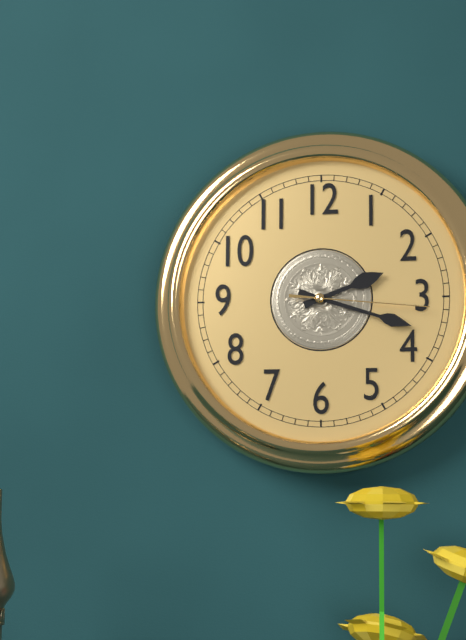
2:18:16
